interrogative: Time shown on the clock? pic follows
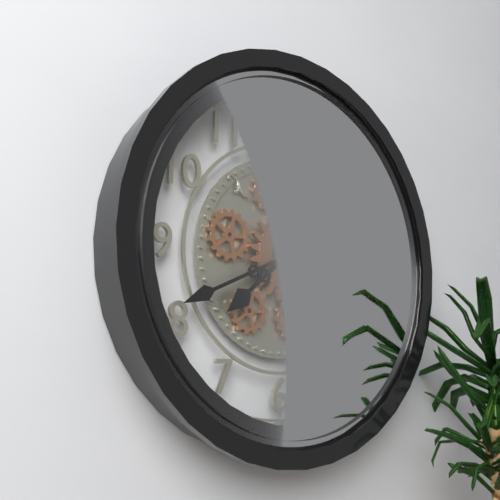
7:41
